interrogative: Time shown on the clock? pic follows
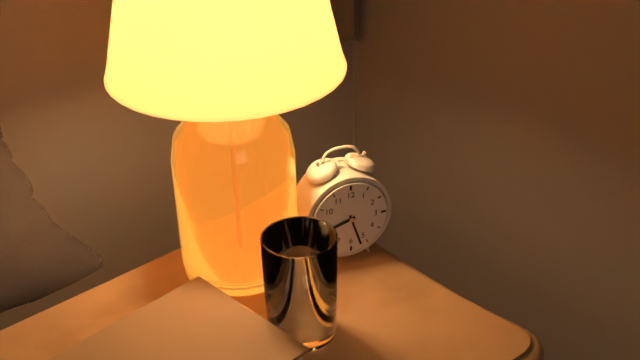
8:27
